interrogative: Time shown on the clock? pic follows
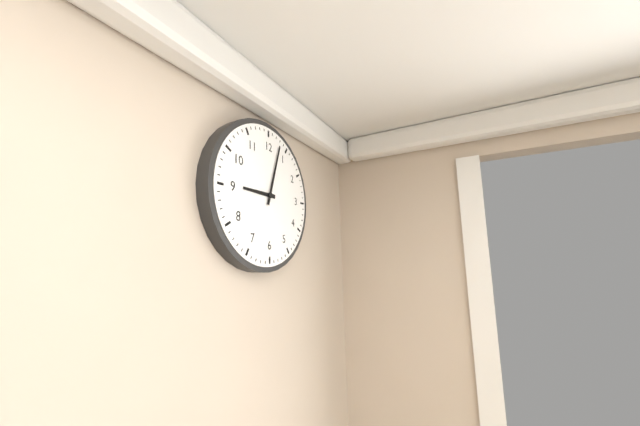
9:03
